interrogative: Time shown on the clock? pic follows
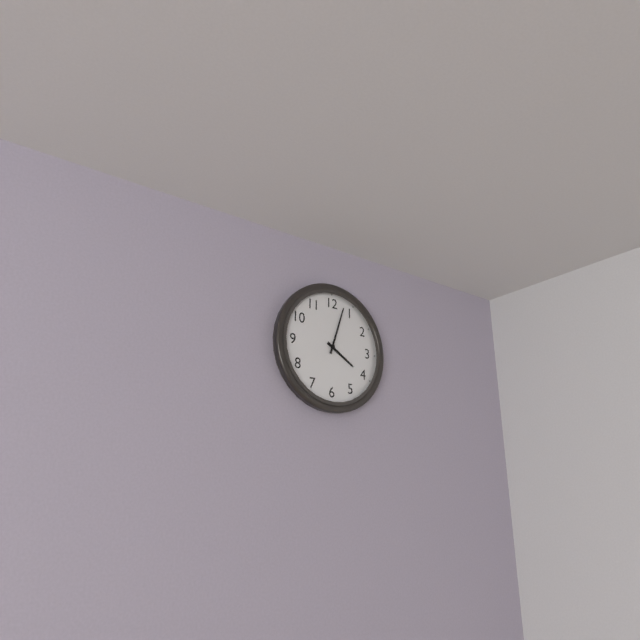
4:03
